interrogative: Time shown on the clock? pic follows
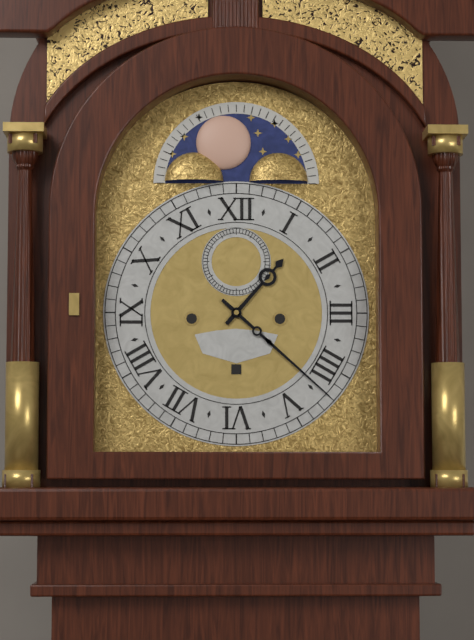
1:22
